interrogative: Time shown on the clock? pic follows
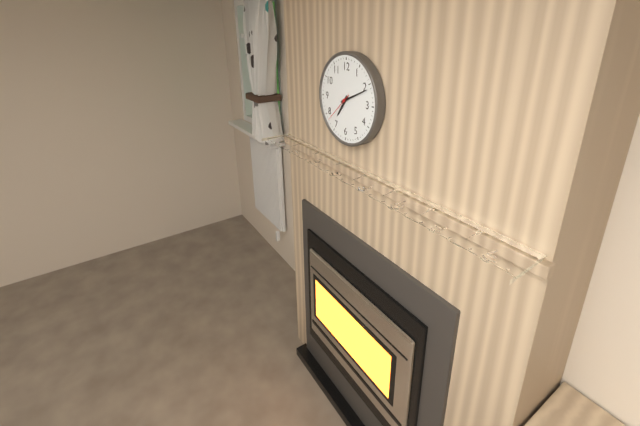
7:11
